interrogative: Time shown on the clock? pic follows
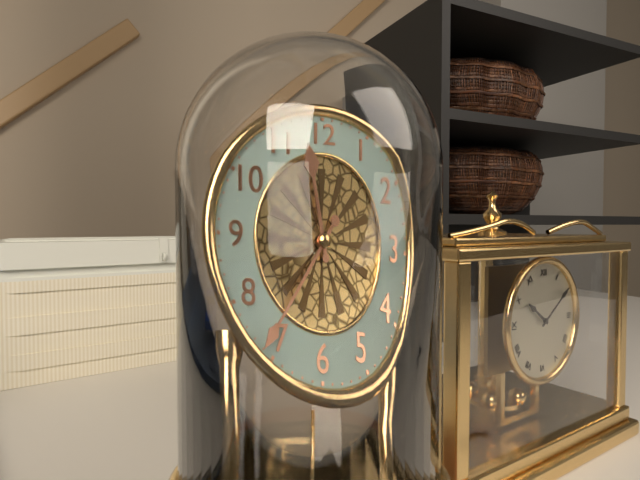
11:36
